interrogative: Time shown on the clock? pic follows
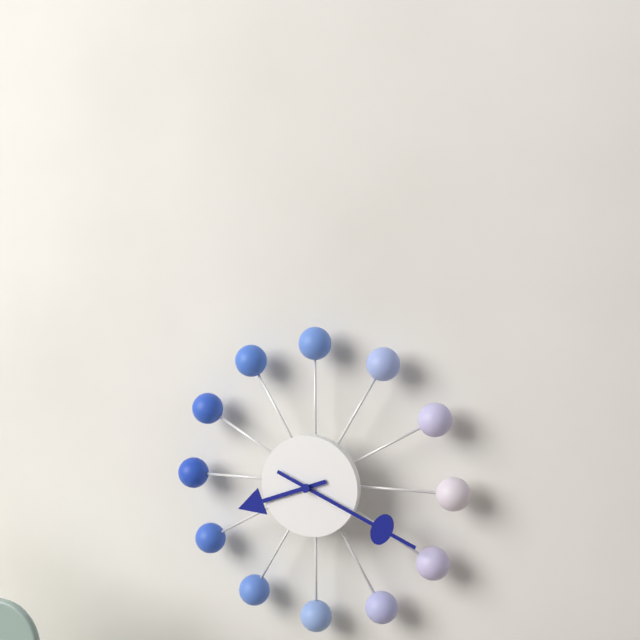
8:19
